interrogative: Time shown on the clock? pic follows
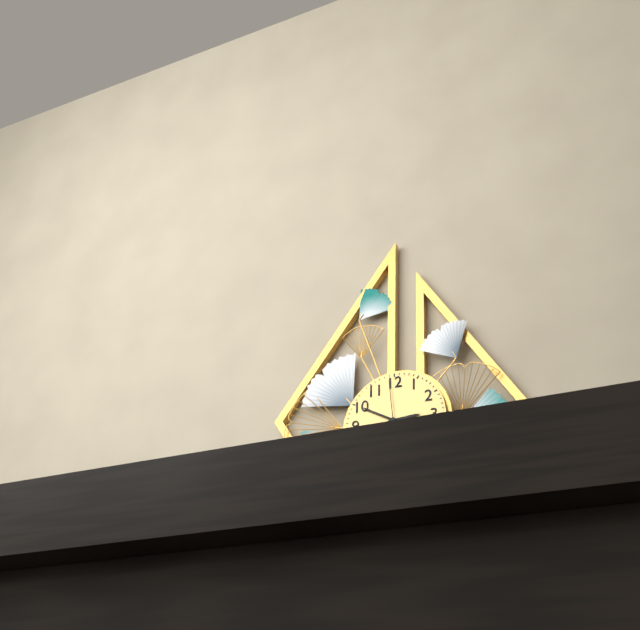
2:50:59
